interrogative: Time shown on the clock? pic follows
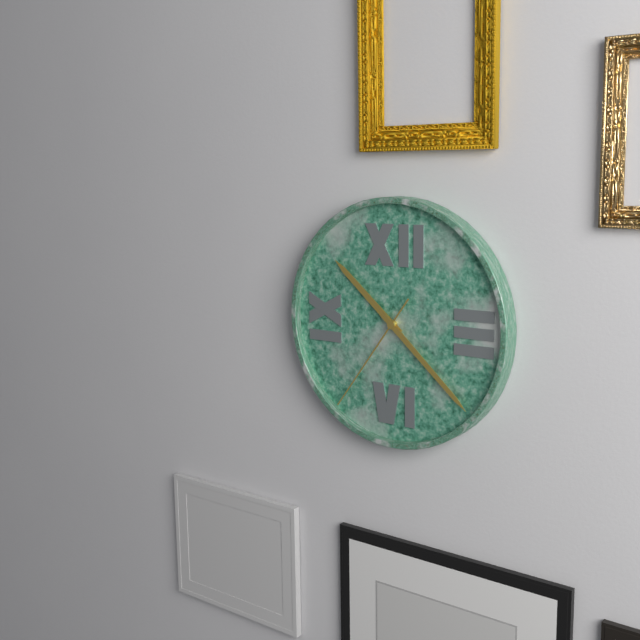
10:22:36
